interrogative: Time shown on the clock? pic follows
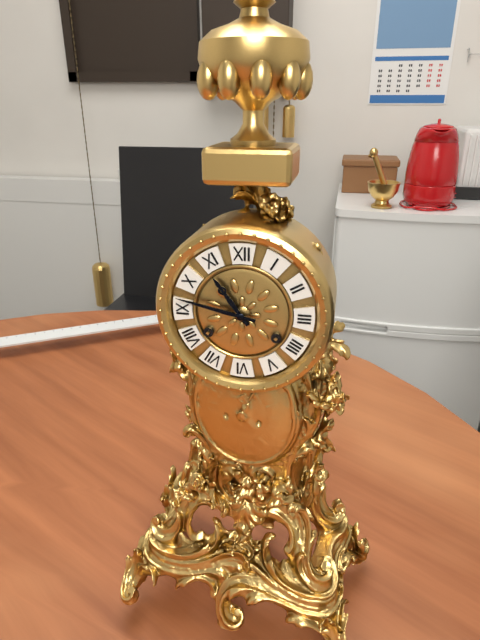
10:47
